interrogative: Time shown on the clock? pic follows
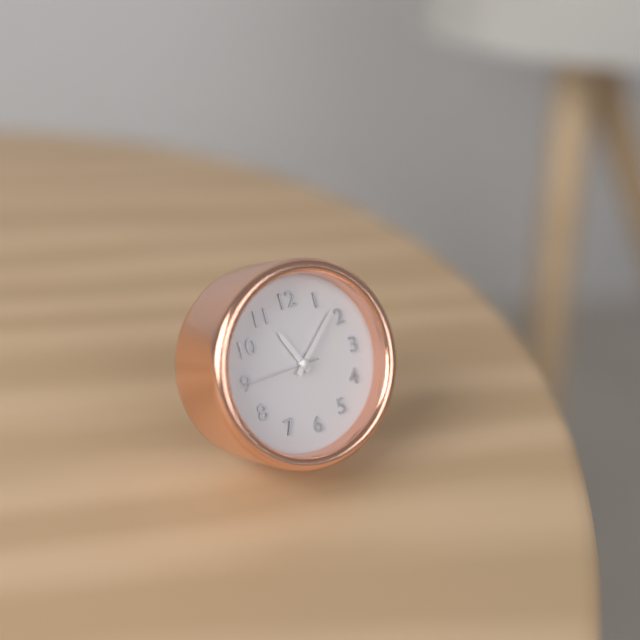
11:08:45
